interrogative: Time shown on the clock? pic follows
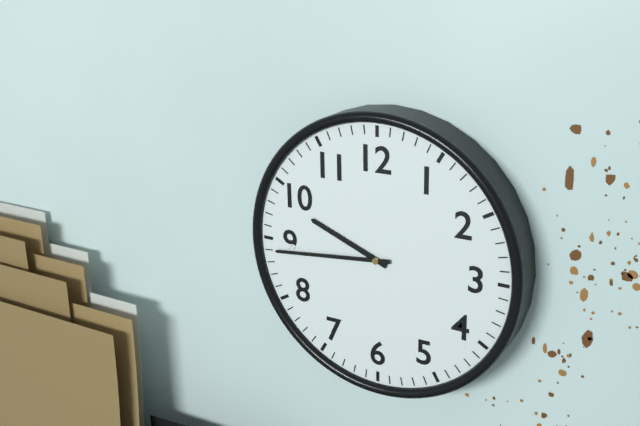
9:44
